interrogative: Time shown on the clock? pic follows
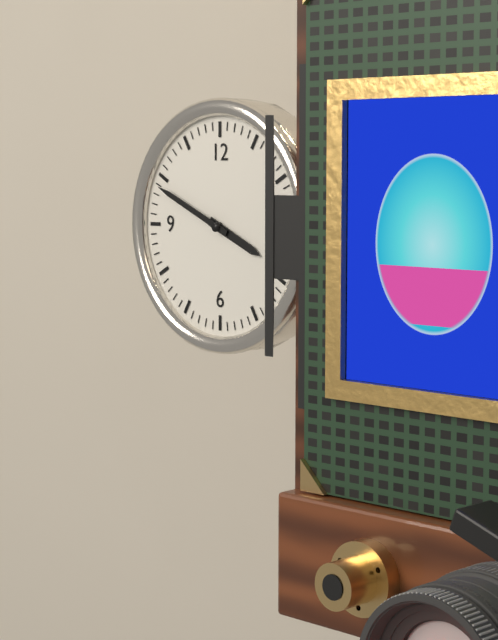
3:49
